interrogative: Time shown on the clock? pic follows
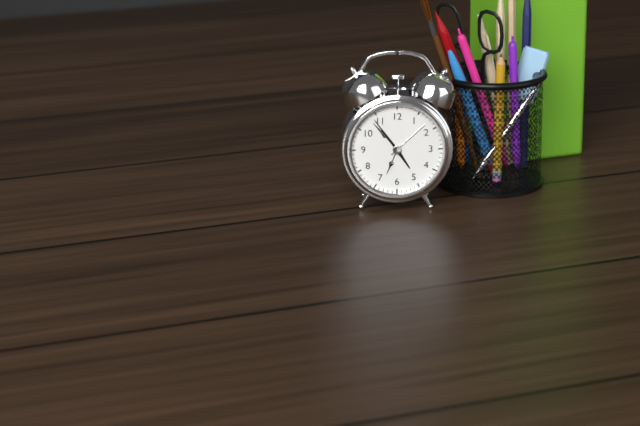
4:54
